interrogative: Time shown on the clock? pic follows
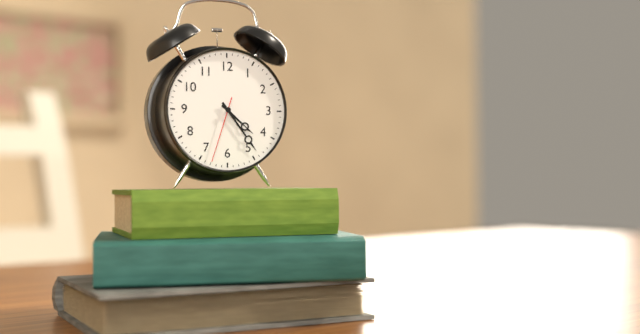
4:24:33
